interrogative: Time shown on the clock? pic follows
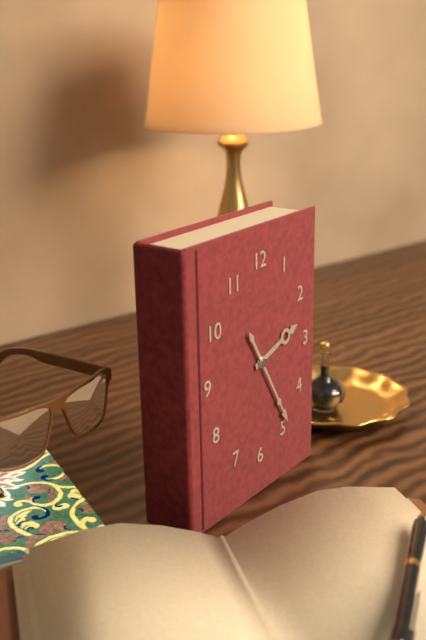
2:25
